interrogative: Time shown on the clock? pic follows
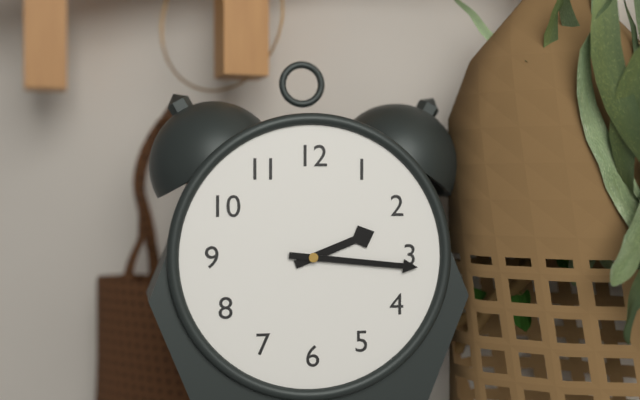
2:16
